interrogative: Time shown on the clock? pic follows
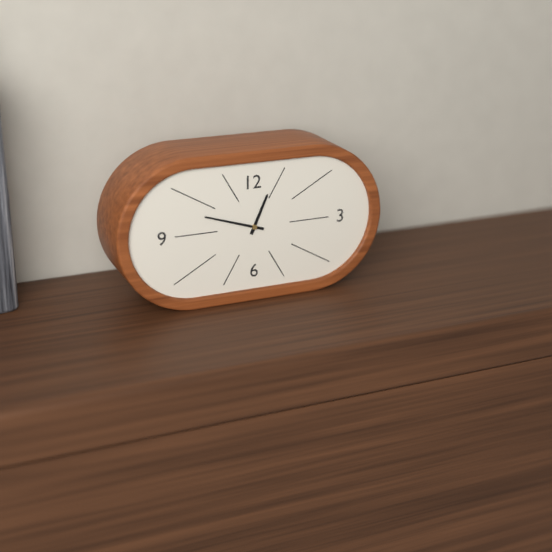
12:48
